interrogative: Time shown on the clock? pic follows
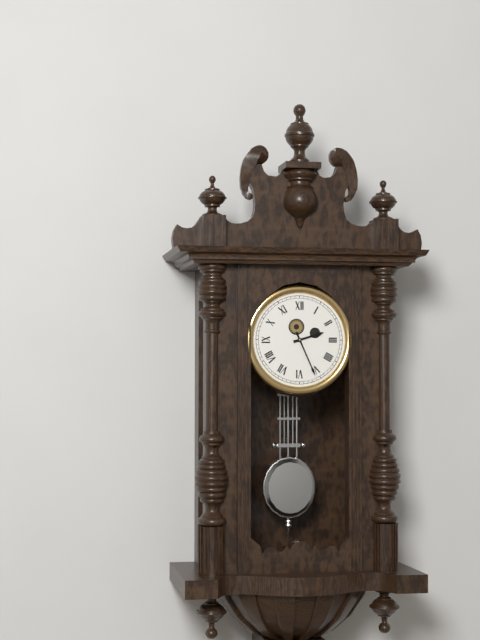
2:26
